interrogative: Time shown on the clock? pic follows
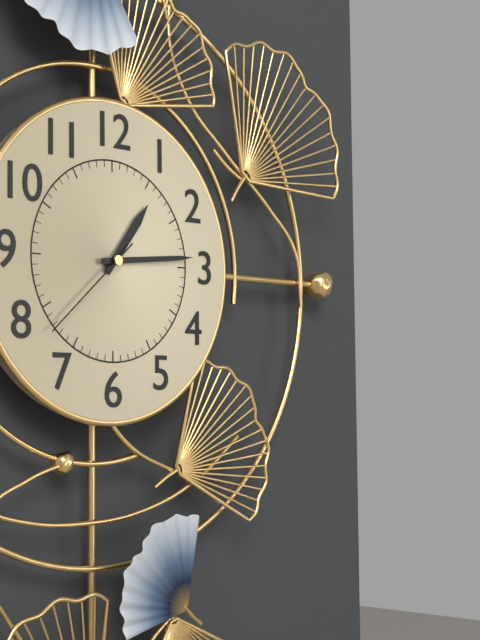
1:14:38
